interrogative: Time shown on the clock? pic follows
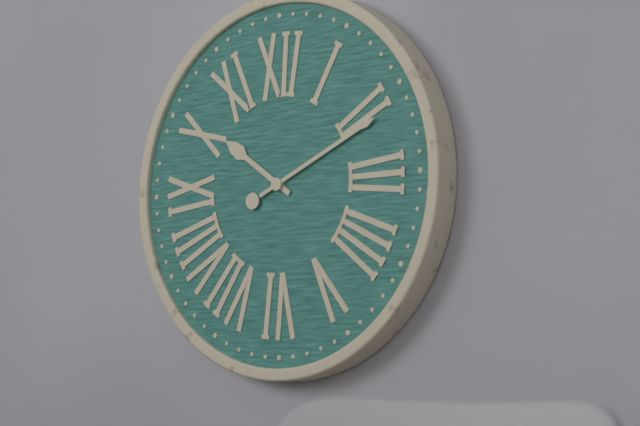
10:11
